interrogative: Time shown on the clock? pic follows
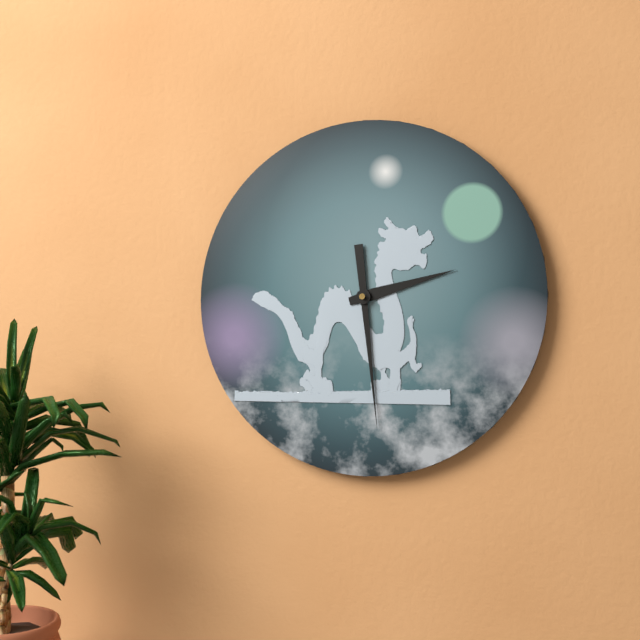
2:29
